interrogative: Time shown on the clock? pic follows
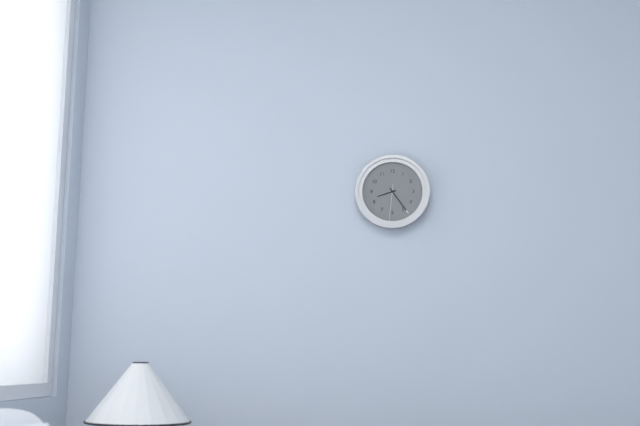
8:24
